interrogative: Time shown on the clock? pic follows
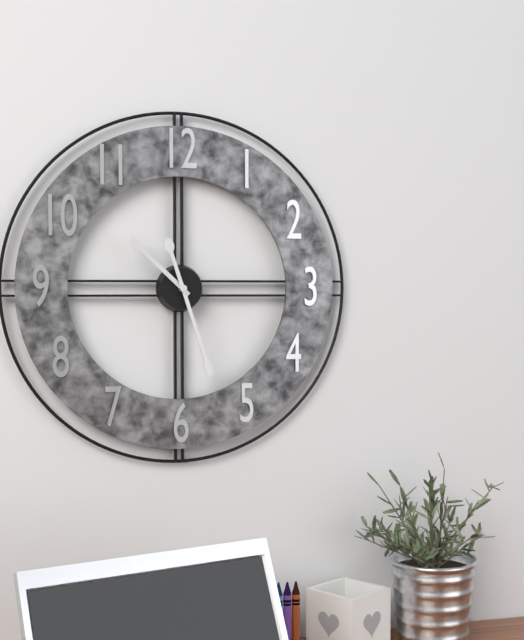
10:27
